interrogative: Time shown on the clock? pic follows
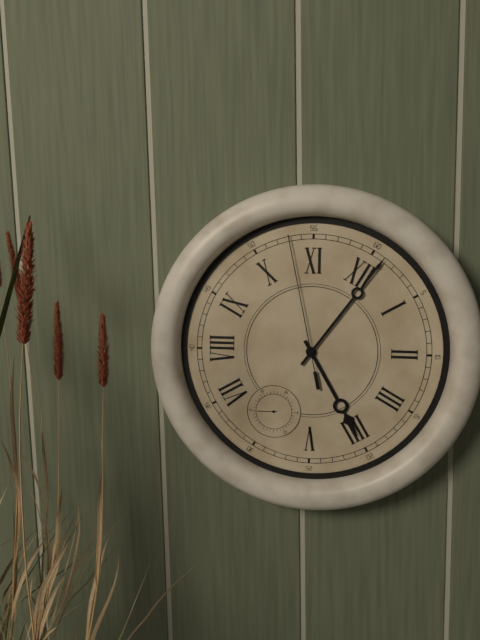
4:01:53
